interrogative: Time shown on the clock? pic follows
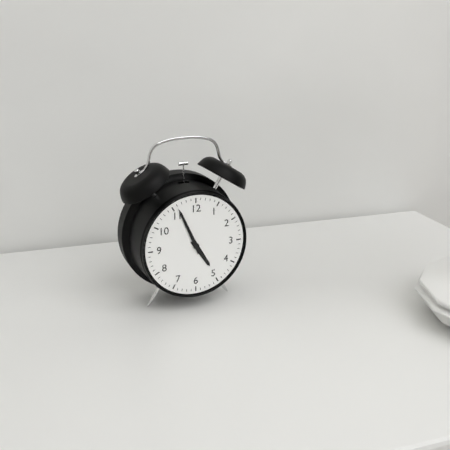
4:56
